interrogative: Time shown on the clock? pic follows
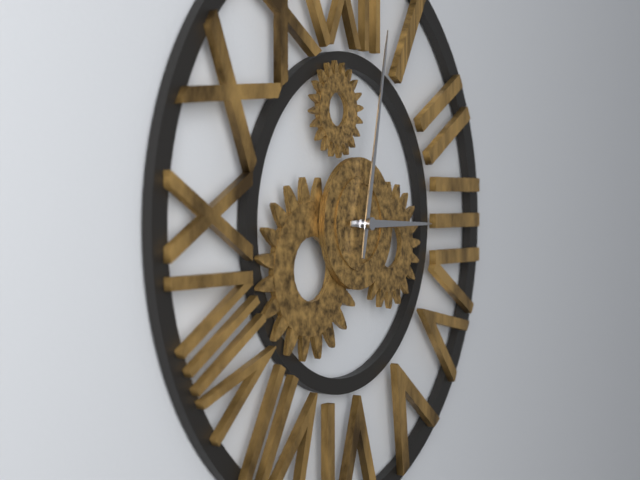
3:02
